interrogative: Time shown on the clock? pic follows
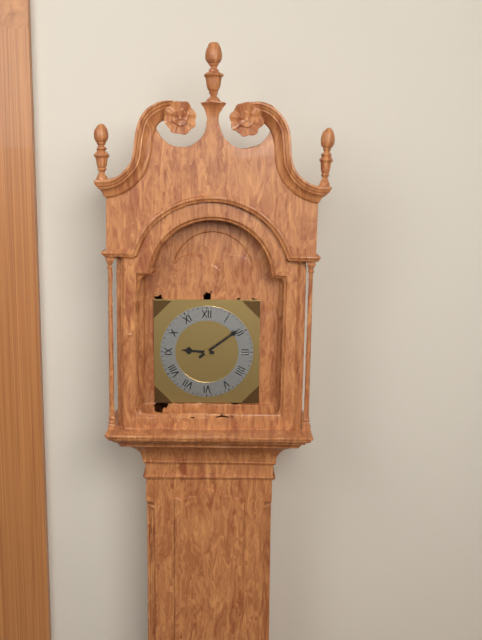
9:09
